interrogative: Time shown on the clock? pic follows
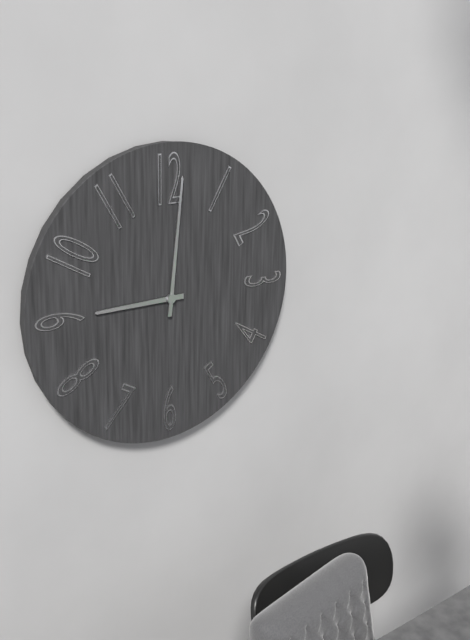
9:01
